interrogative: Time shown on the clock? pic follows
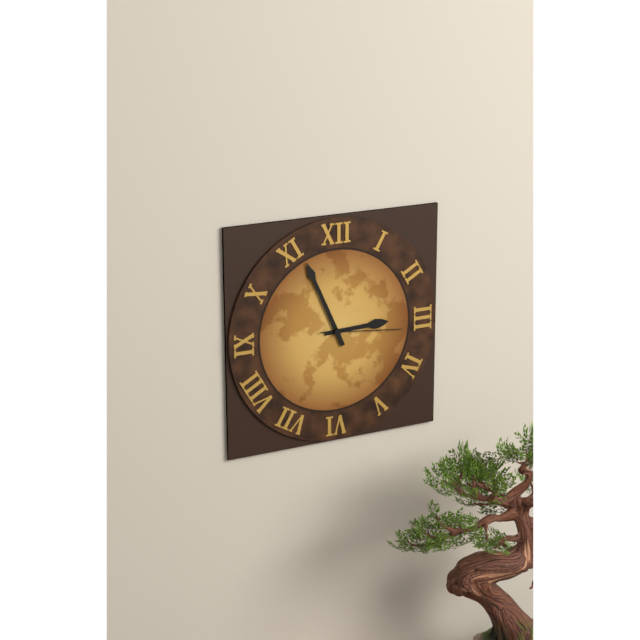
2:56:16
